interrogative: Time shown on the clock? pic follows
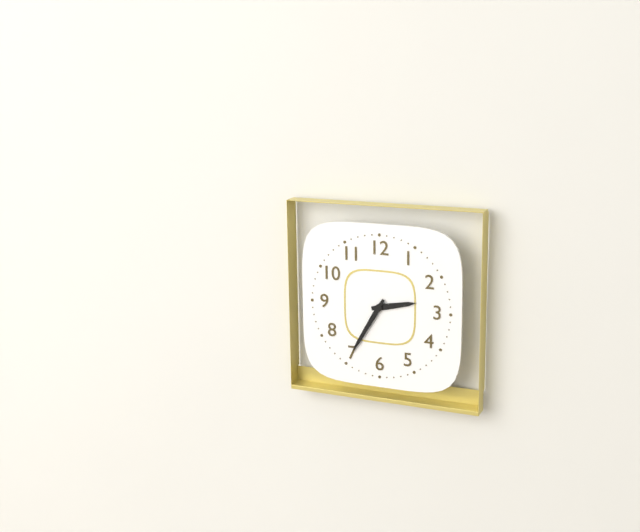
2:35
